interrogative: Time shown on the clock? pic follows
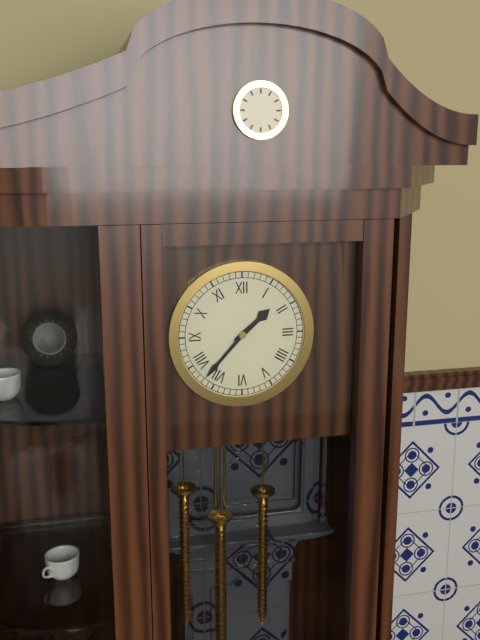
1:37
